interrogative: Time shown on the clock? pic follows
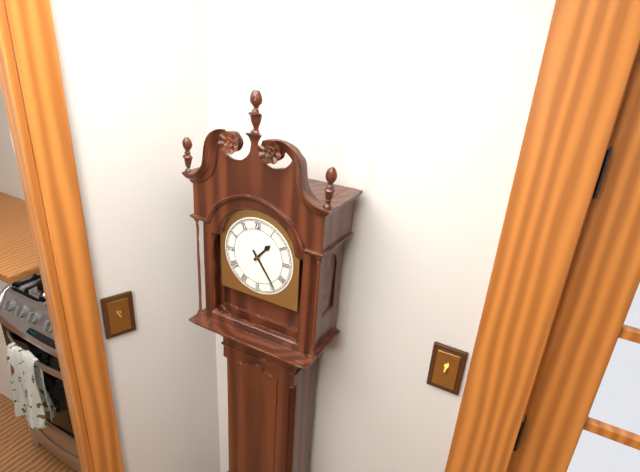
1:24
